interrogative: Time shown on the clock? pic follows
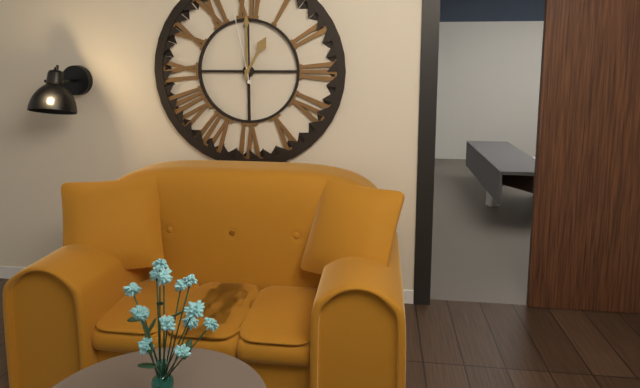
1:00:58
